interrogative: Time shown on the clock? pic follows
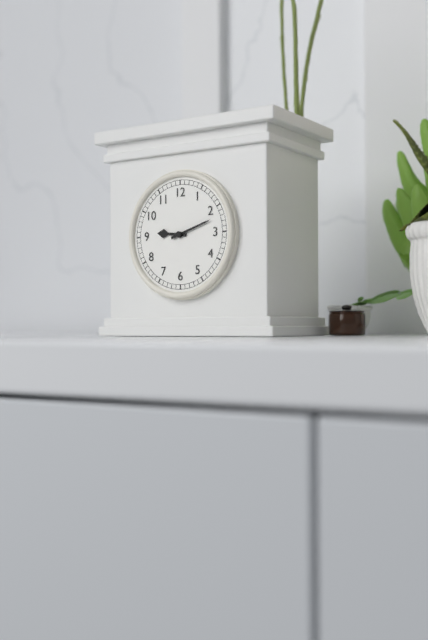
9:12
